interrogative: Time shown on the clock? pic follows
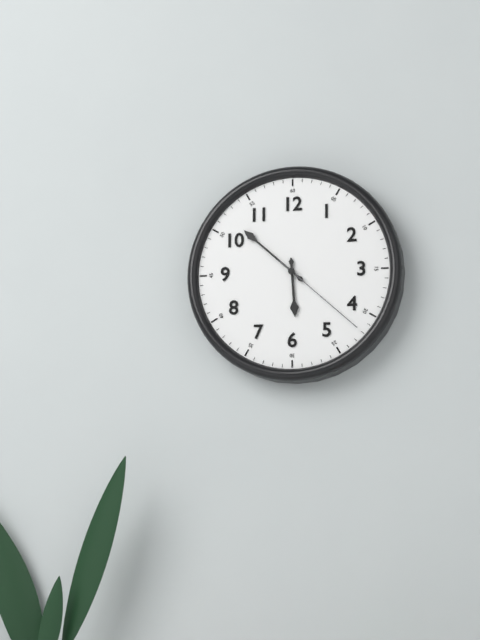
5:52:22
